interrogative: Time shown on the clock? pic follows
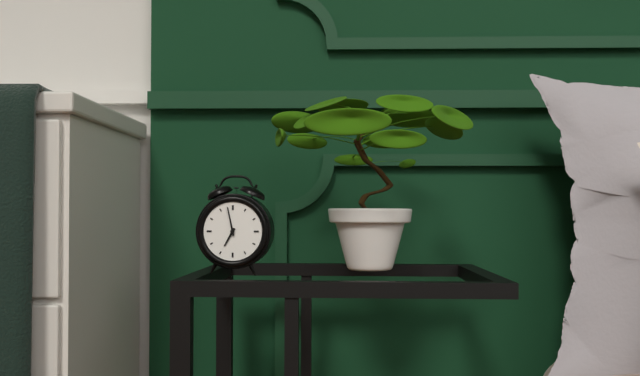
6:58
